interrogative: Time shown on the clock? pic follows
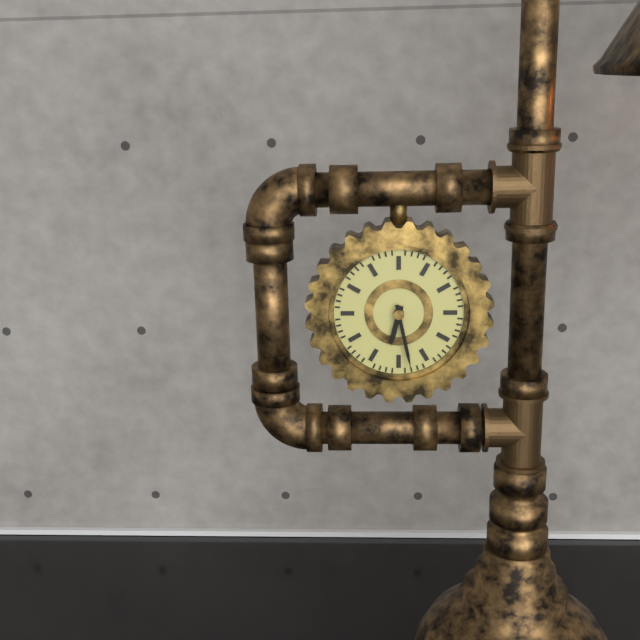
6:28
